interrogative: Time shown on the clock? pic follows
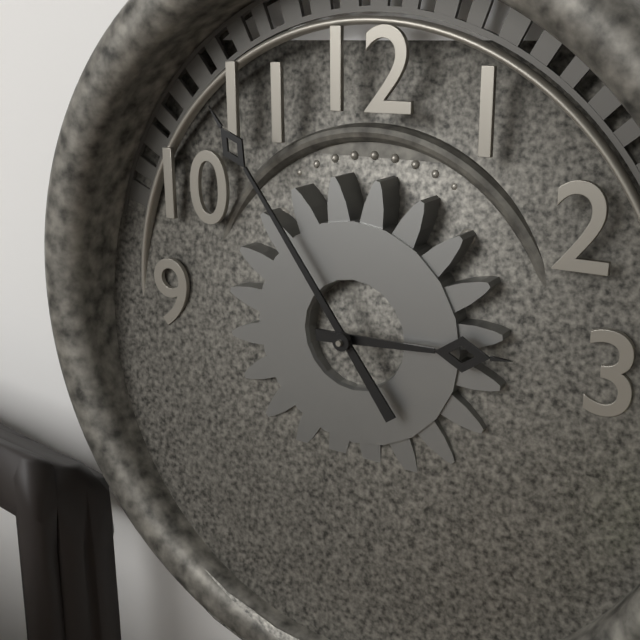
2:54
